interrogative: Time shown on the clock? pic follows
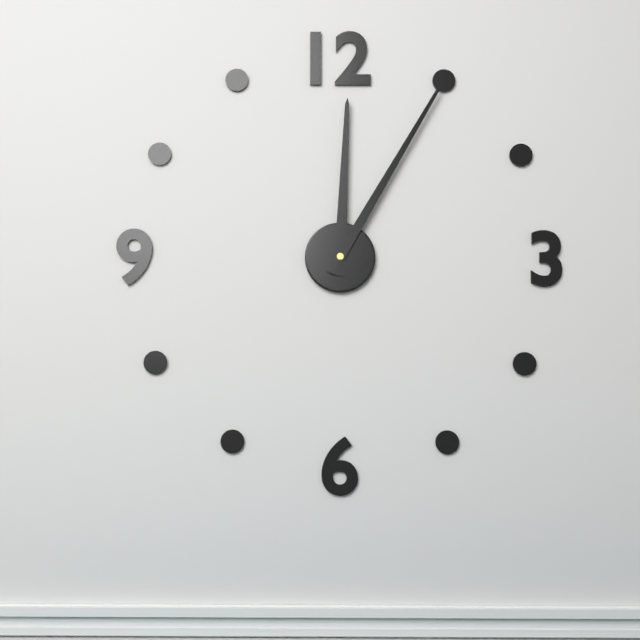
12:05
